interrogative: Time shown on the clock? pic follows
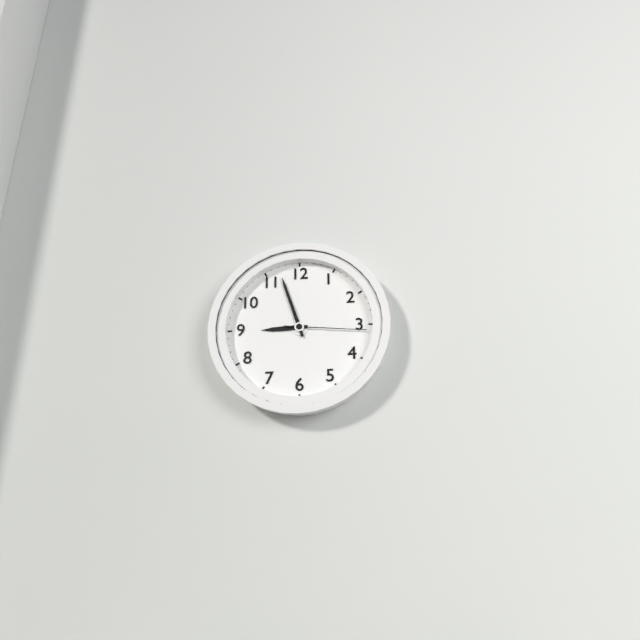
8:57:16
